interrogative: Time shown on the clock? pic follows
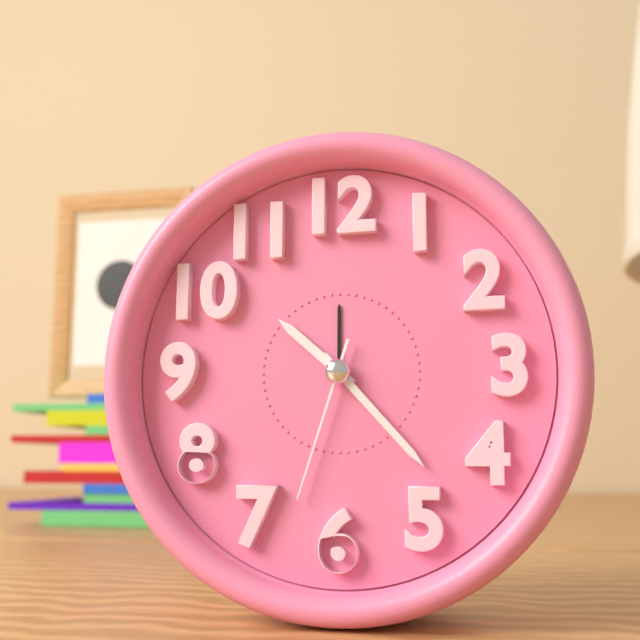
10:23:33
